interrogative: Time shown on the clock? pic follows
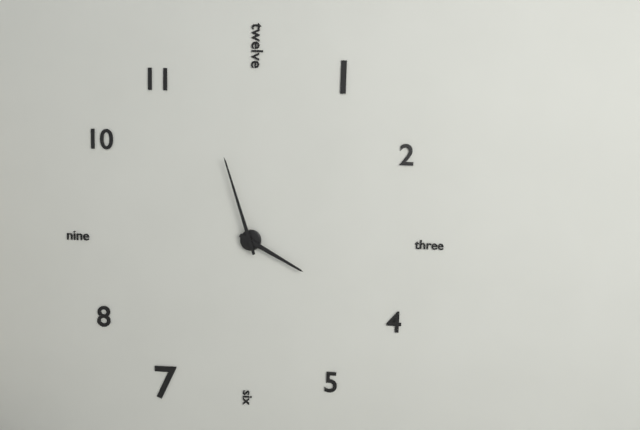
3:57
